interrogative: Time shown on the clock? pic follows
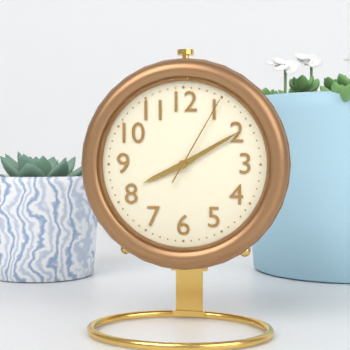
8:10:05
